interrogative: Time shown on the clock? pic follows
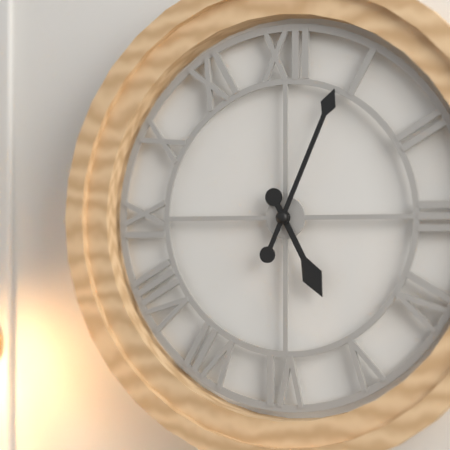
5:04
